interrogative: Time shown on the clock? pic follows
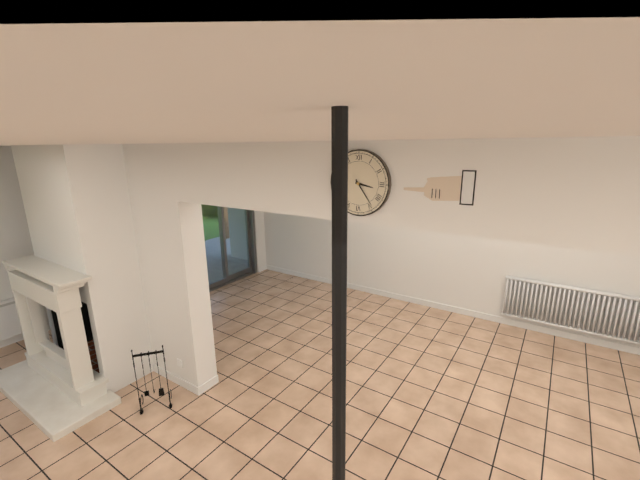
3:24
